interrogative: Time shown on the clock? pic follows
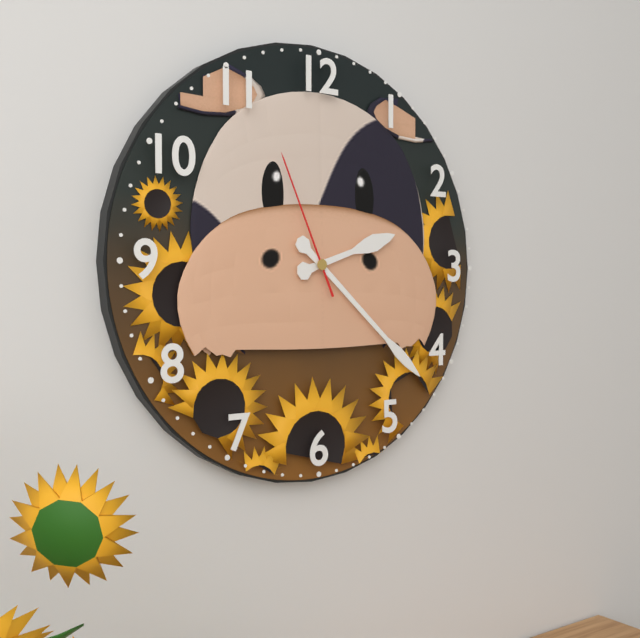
2:22:56
